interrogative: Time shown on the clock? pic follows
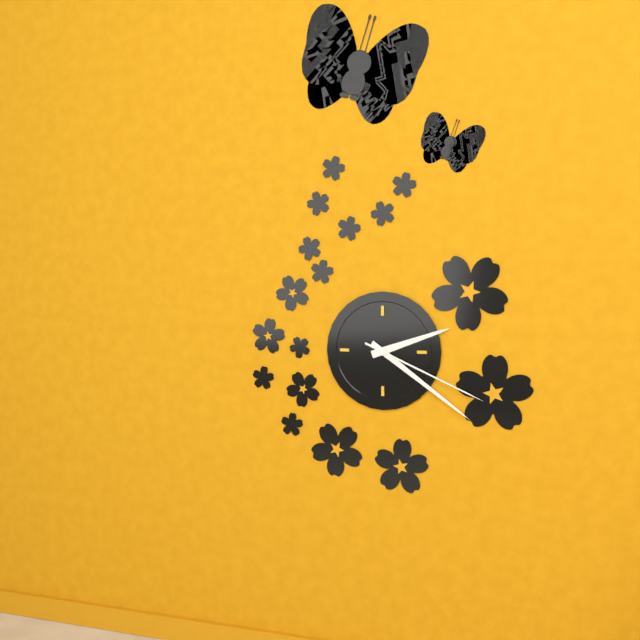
2:21:19
